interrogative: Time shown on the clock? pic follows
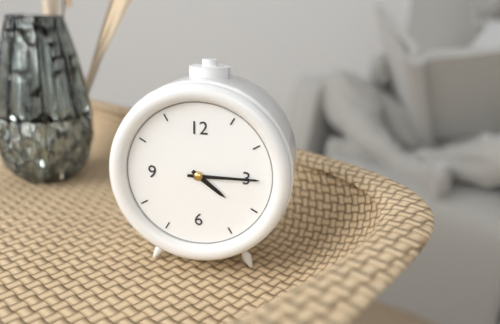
4:15
